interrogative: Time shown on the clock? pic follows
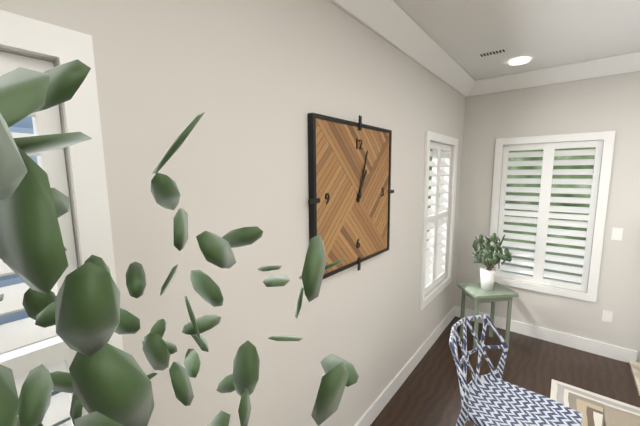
1:03
